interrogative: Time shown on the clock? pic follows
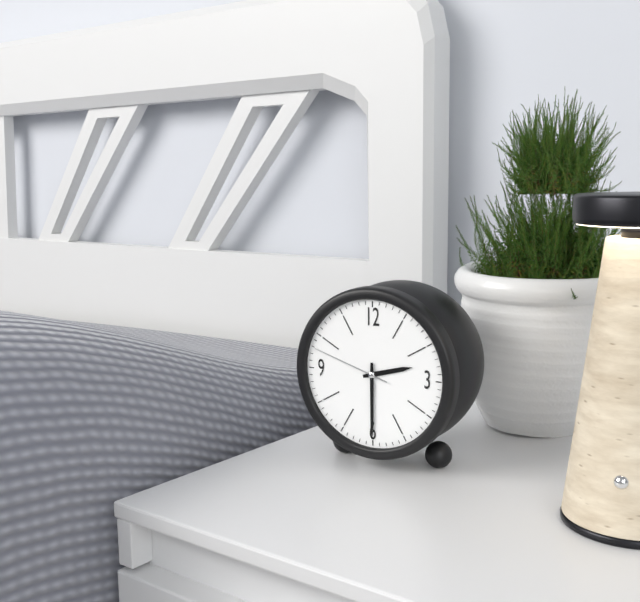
2:30:48
